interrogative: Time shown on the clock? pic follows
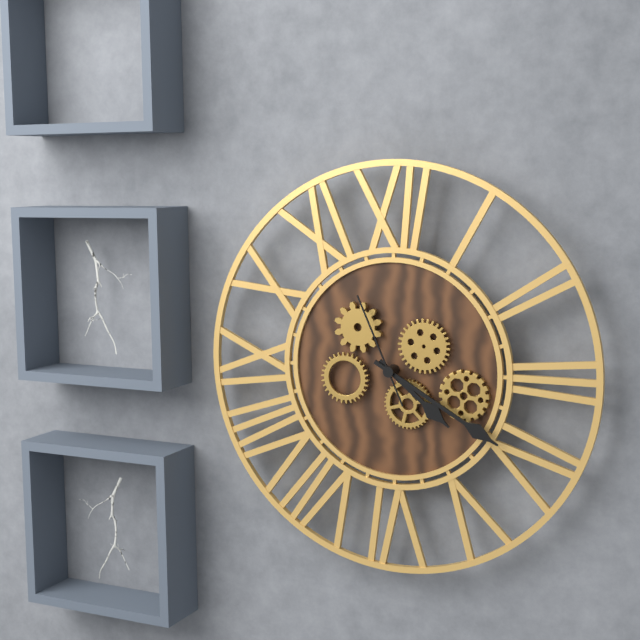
4:20:56
